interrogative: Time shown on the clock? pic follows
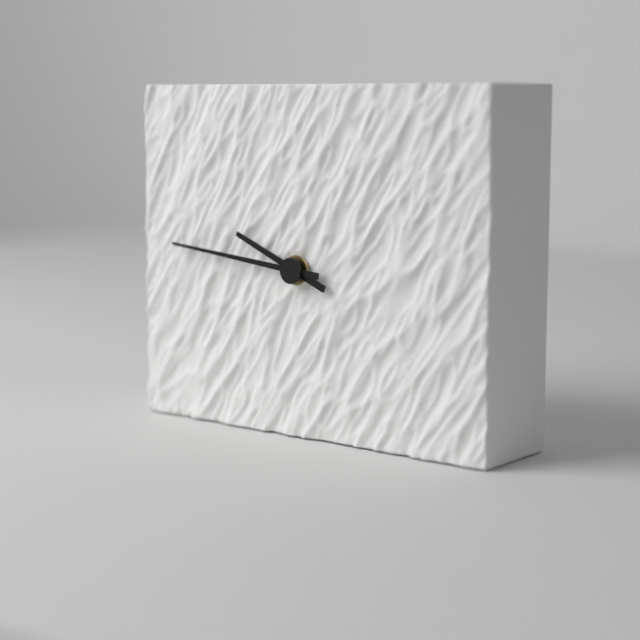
9:46
